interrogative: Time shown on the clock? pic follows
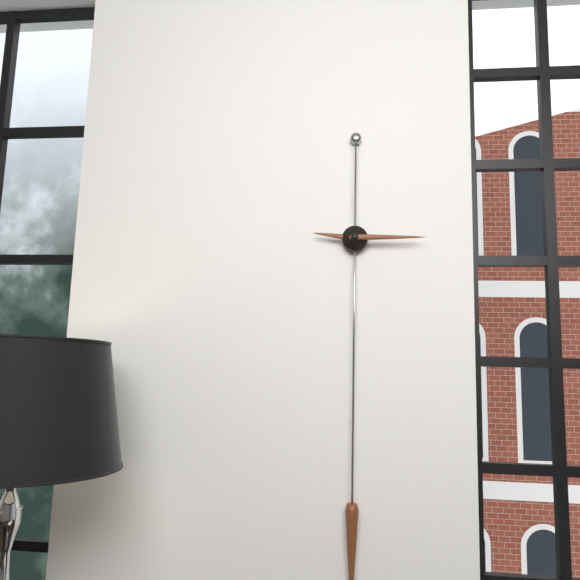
9:15
